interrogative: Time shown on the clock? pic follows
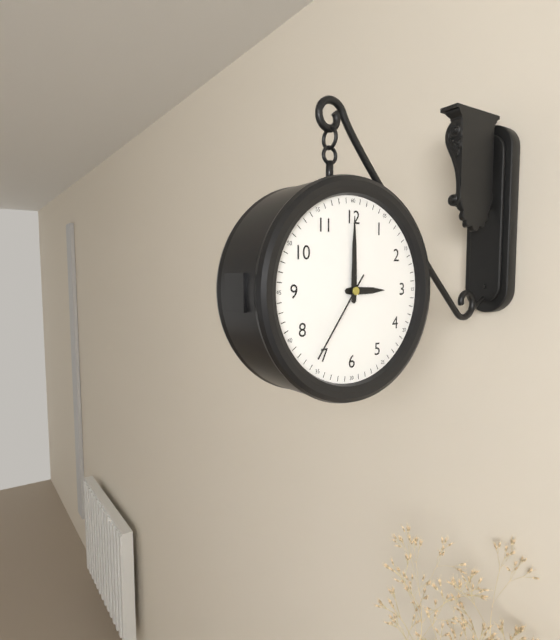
3:00:36
